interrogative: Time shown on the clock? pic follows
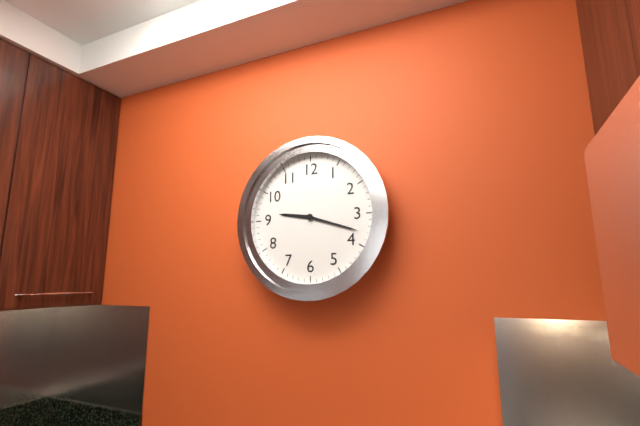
9:18
